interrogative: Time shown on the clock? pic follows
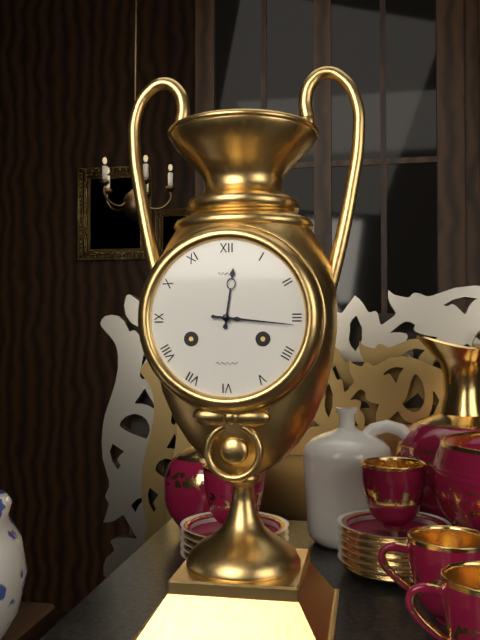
12:16
